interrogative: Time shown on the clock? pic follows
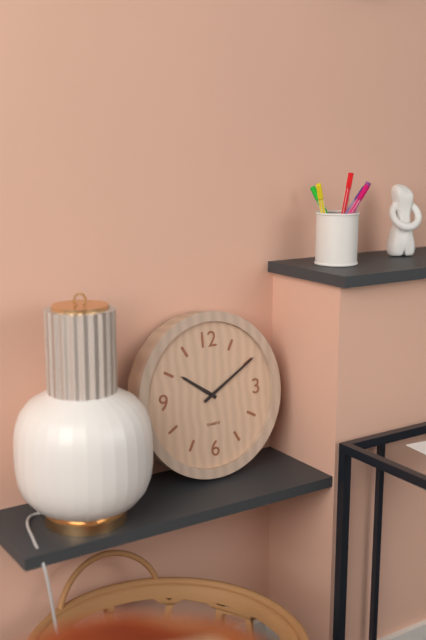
10:10
